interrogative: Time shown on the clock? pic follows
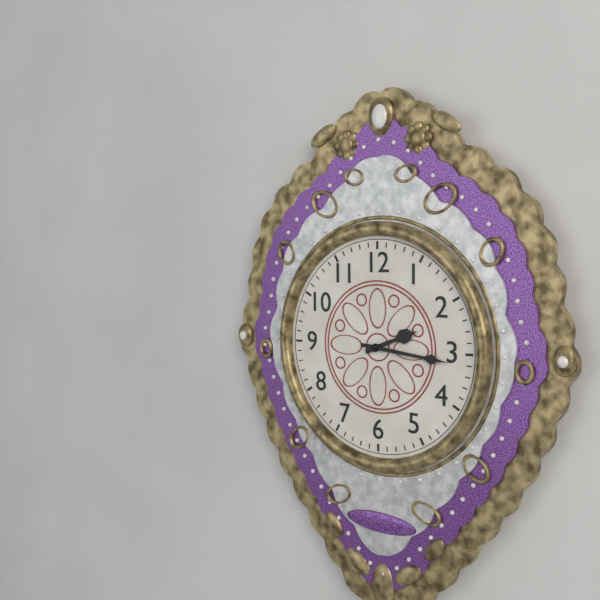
2:16
